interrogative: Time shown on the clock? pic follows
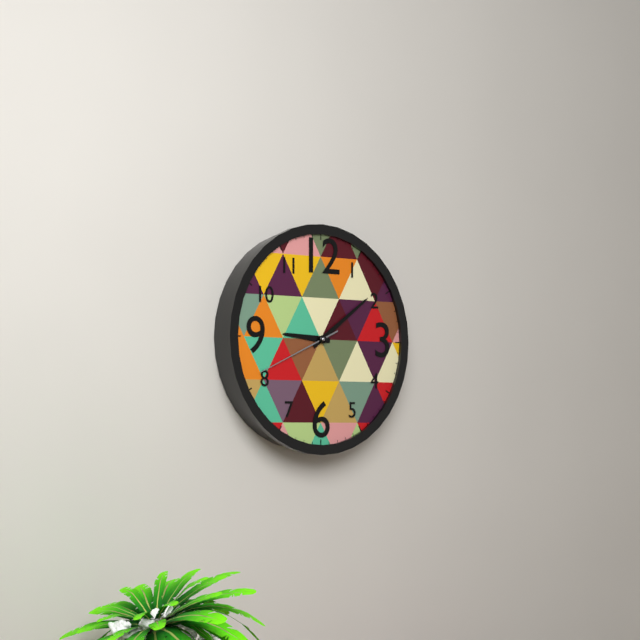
9:09:41
